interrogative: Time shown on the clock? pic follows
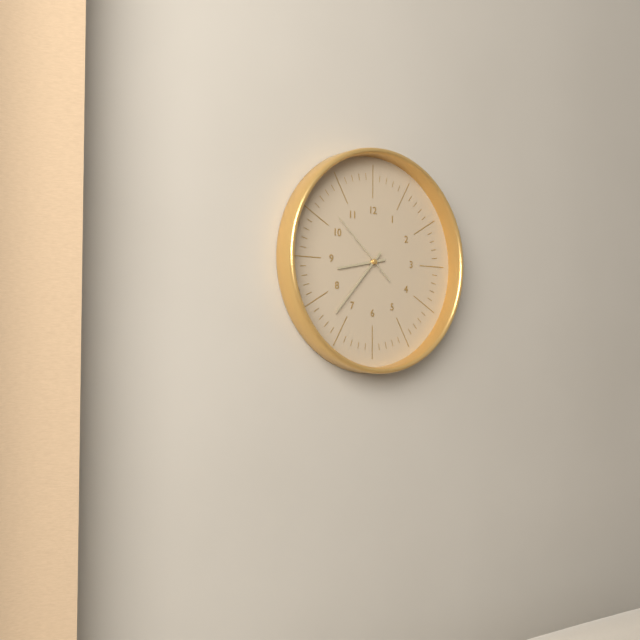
8:37:52
